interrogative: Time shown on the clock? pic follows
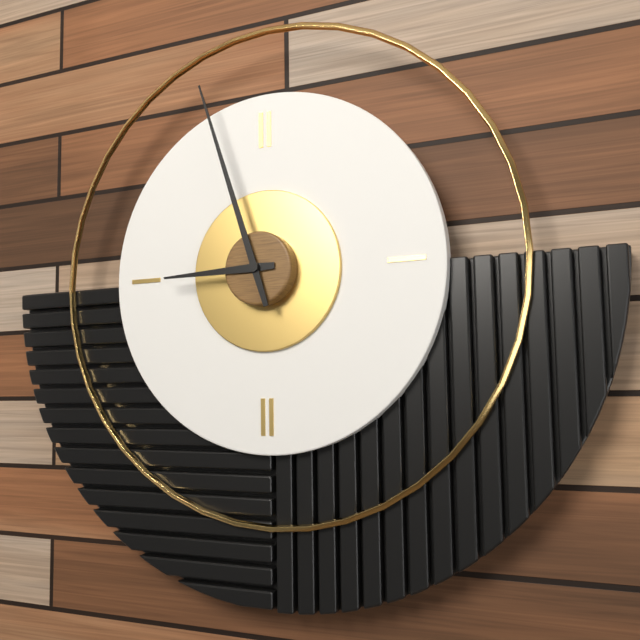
8:57
